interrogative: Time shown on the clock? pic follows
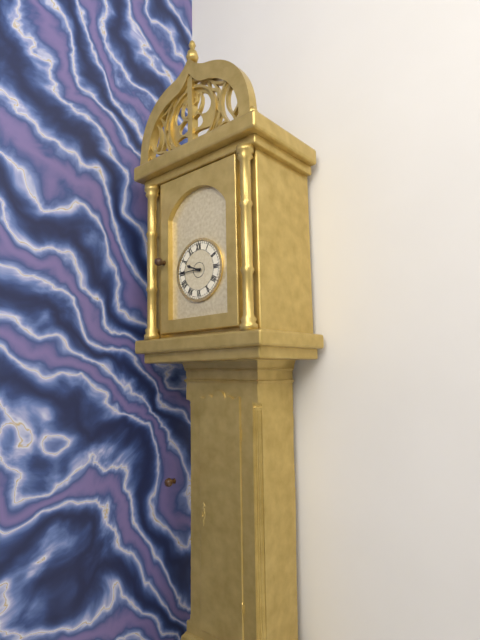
9:45
